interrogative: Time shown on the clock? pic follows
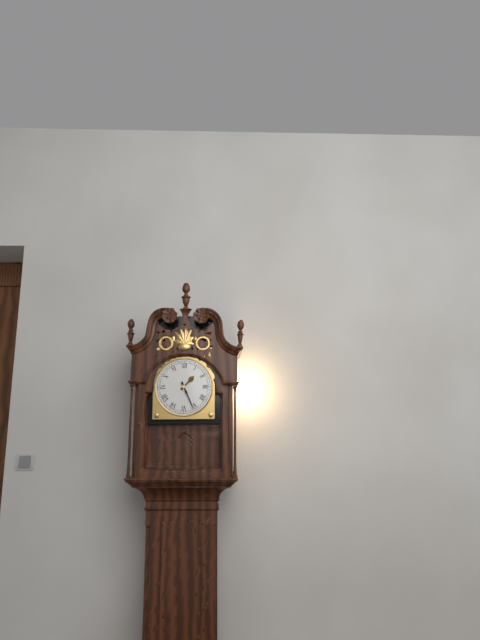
1:26
